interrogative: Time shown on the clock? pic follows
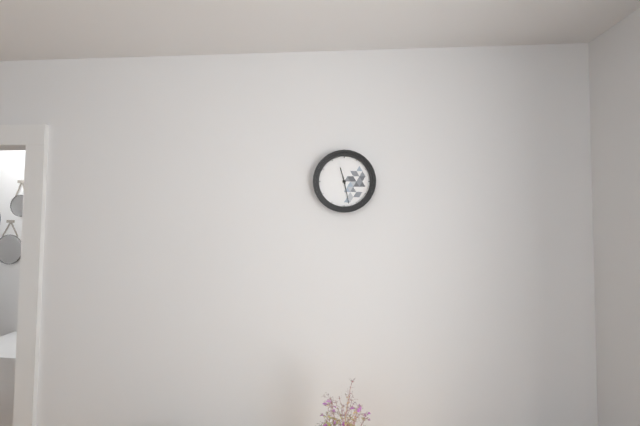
11:28
